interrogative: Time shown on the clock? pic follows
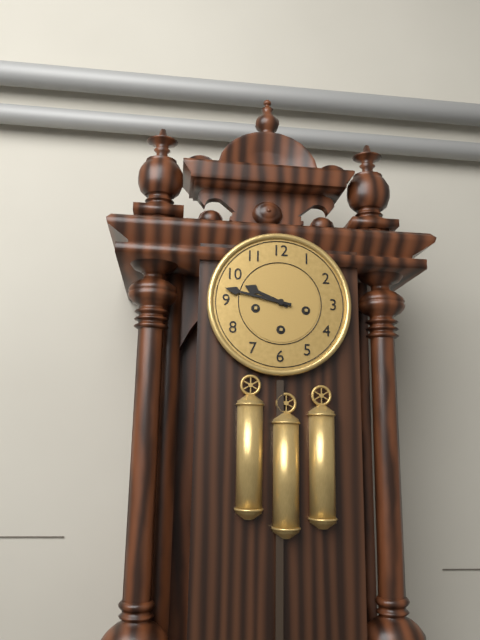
9:47
